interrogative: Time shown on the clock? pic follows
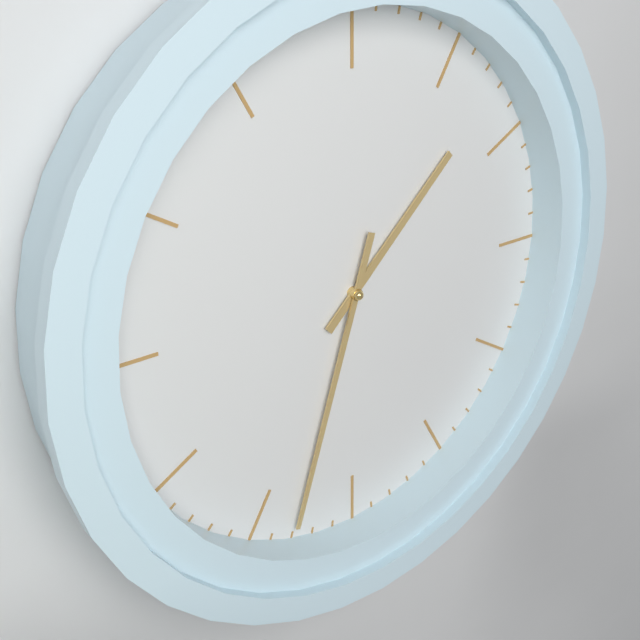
1:33
